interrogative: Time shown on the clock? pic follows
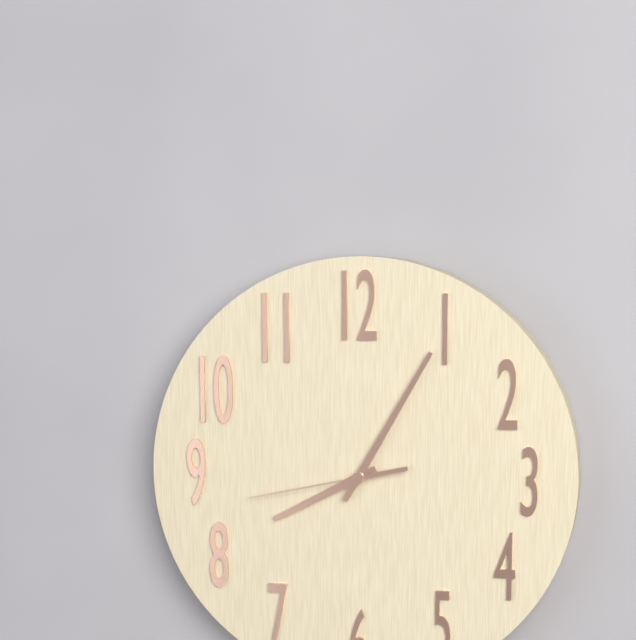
8:05:43
